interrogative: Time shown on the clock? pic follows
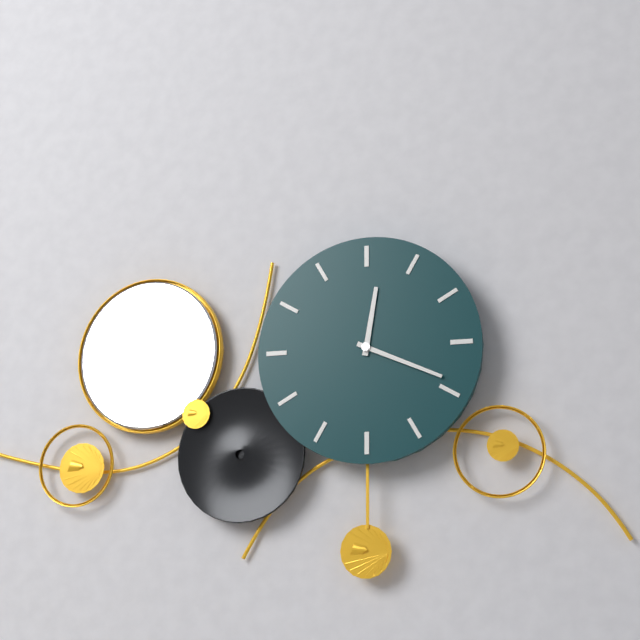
12:19
